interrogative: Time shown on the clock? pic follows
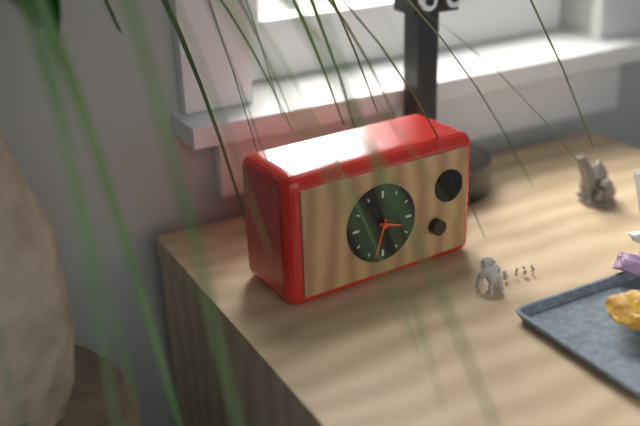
3:33
